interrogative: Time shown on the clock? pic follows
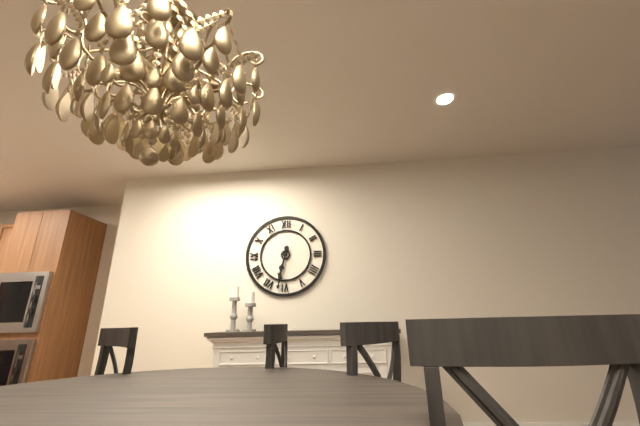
6:32
